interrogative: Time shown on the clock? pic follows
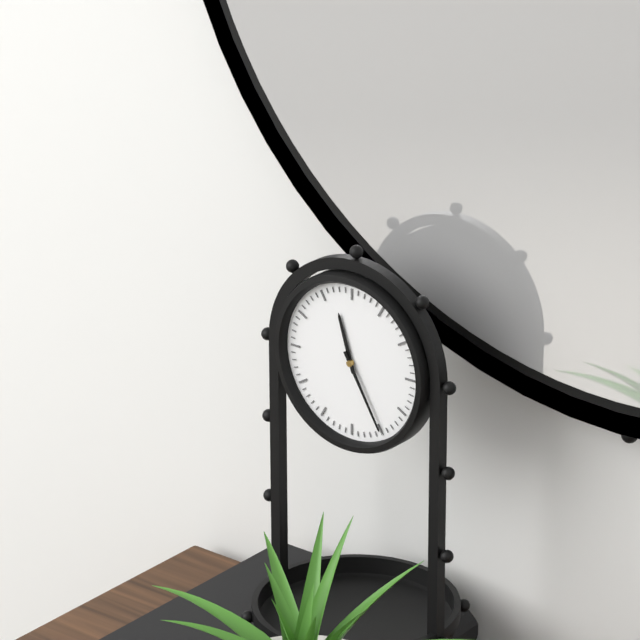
11:25
